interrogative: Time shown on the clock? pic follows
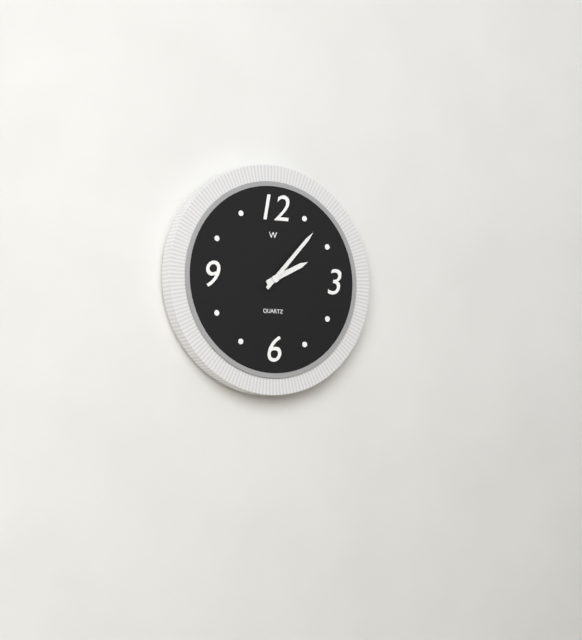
2:07
